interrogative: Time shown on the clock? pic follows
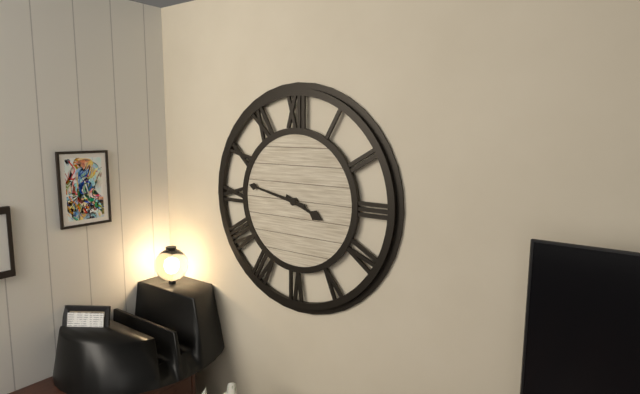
3:47
